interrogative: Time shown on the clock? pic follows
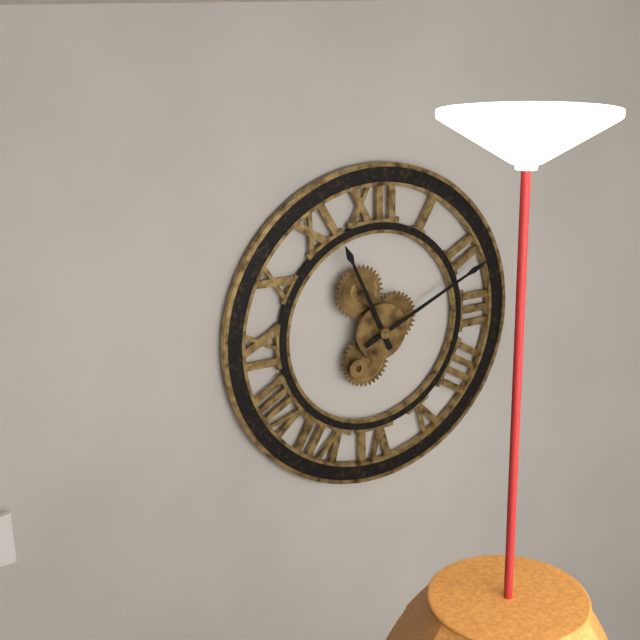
11:11
